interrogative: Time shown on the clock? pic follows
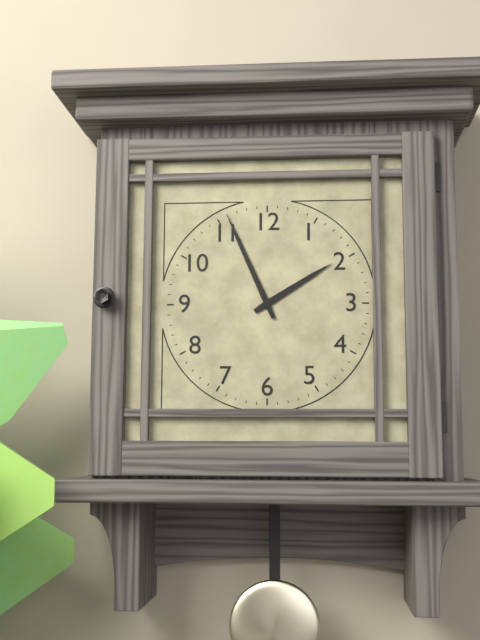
1:56
